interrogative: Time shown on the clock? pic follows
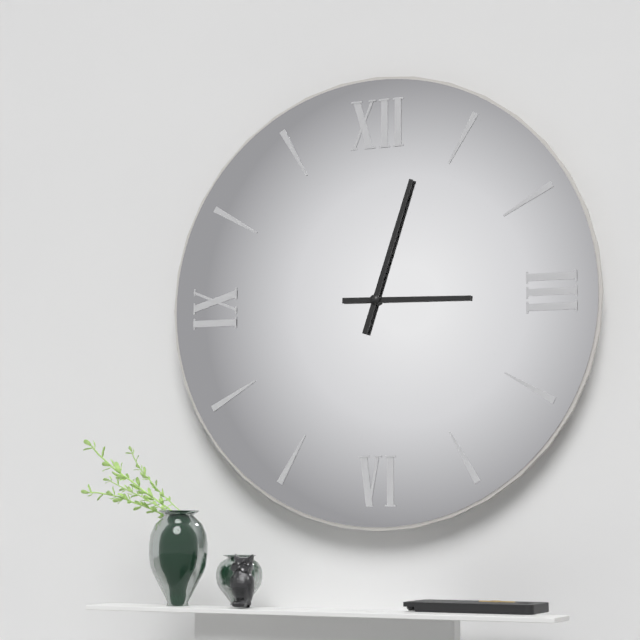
3:03
